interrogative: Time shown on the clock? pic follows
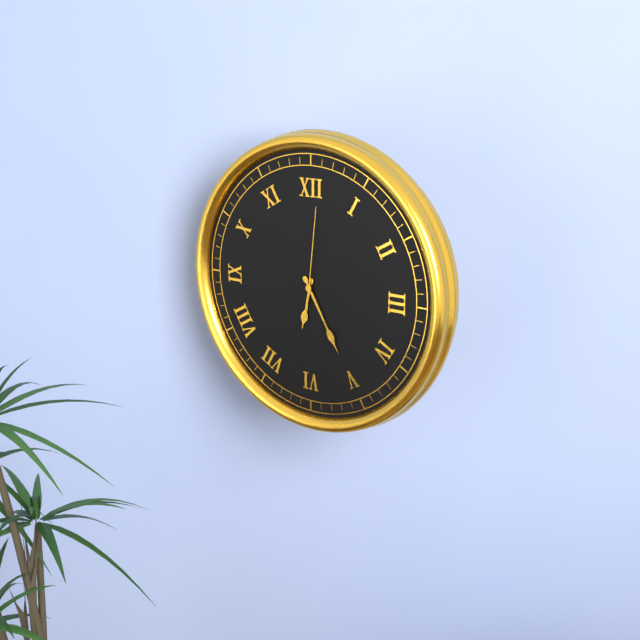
6:25:01
